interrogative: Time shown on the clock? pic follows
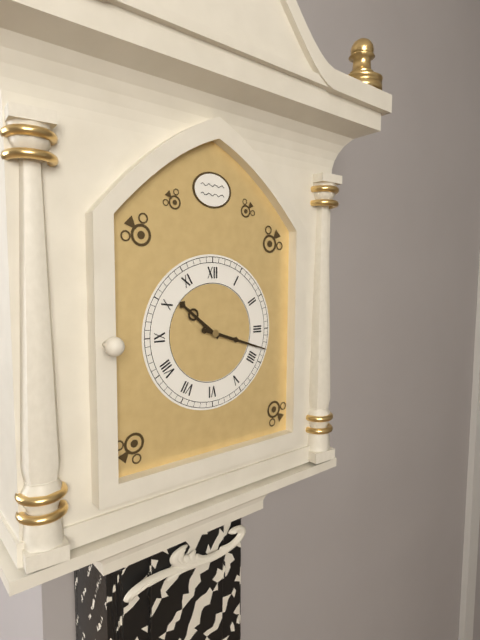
10:18
